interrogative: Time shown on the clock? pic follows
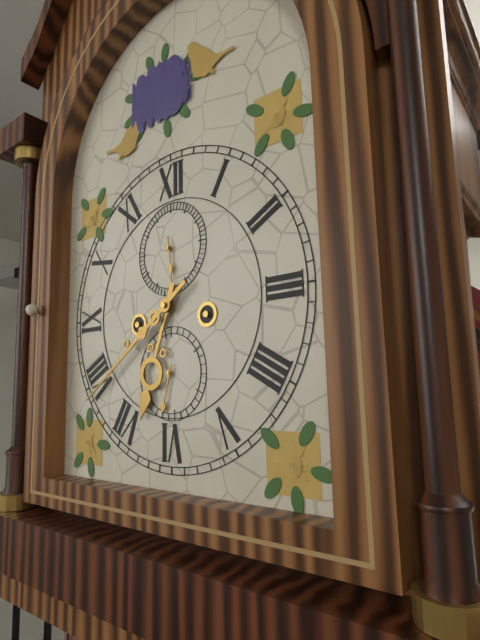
6:39
